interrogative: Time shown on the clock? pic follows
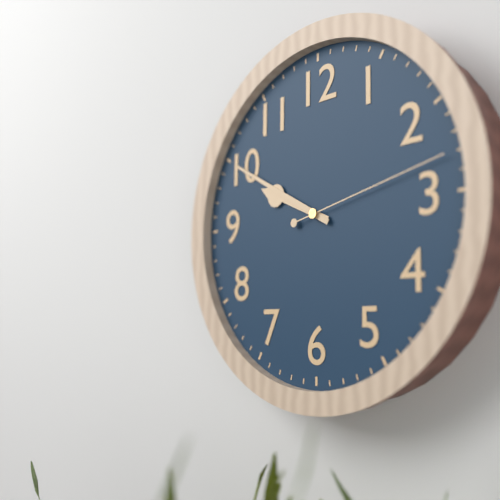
9:50:13
